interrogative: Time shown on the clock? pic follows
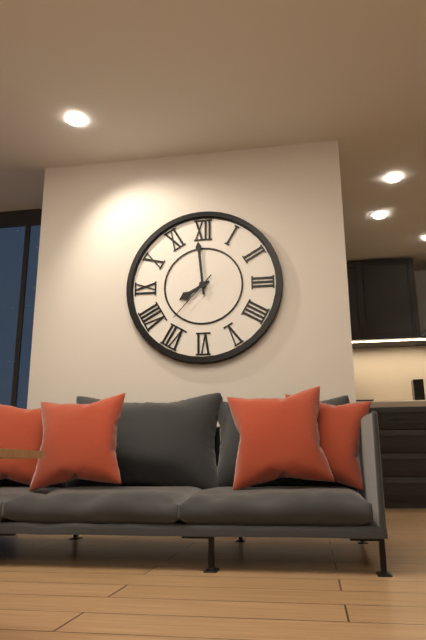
7:59:37
